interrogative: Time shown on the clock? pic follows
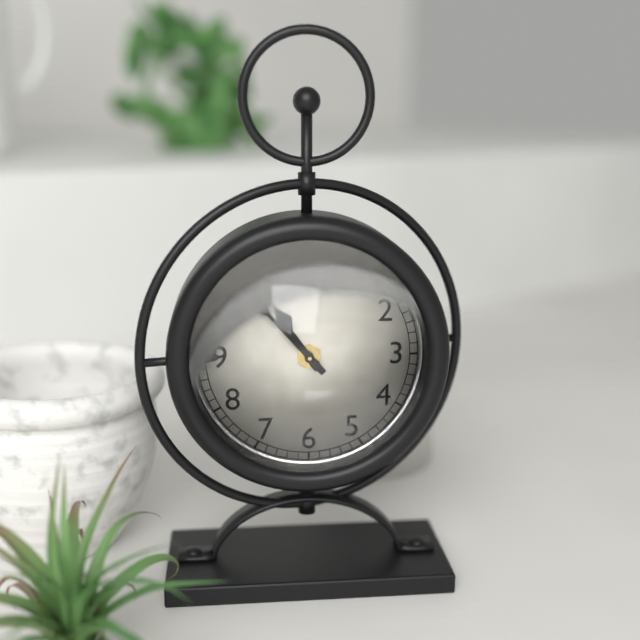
10:53
